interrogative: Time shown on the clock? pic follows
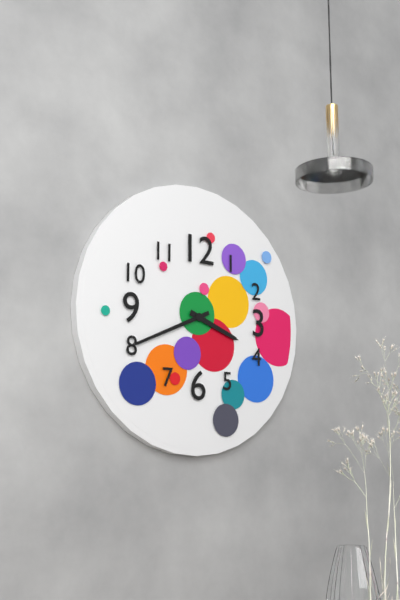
3:41
